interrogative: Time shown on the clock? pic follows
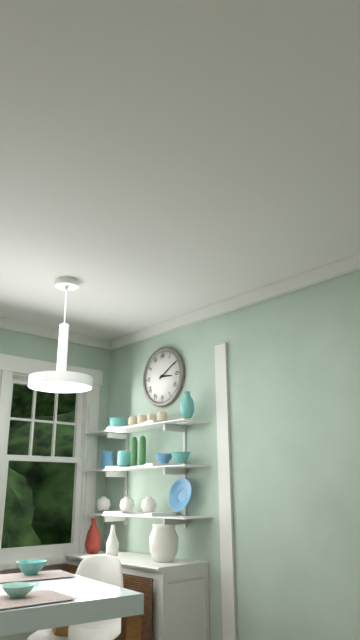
3:10
